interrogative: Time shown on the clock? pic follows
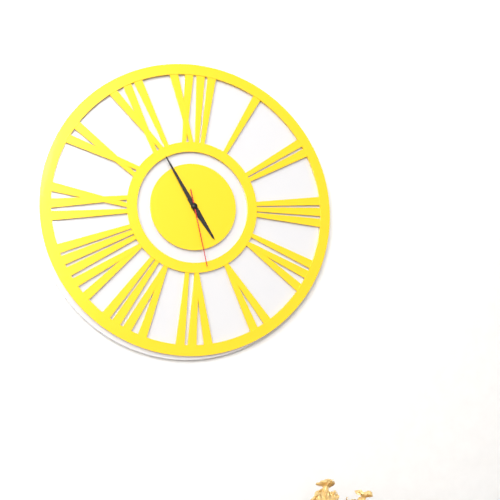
4:55:28
